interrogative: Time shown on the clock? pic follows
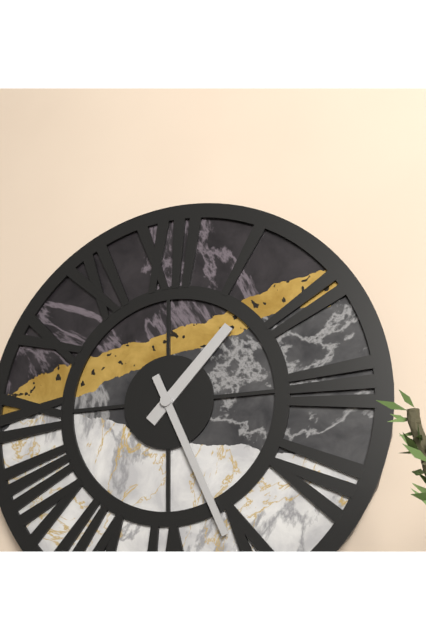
1:26
